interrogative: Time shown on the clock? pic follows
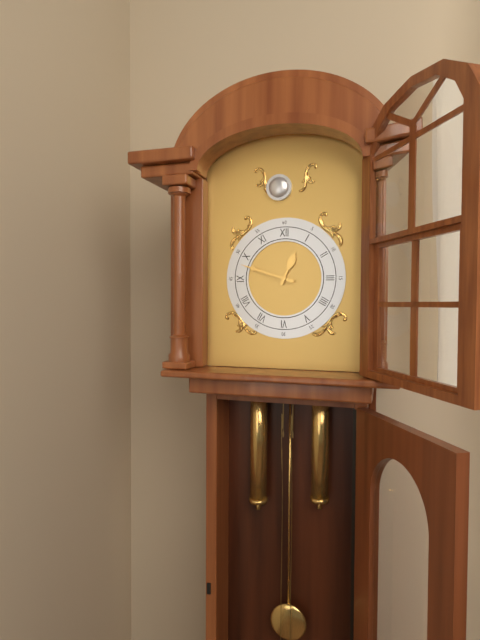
12:48
